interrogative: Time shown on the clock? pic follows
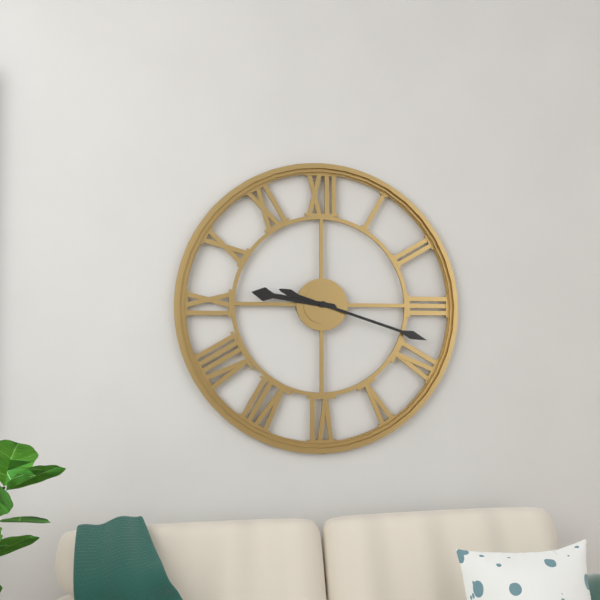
9:18
